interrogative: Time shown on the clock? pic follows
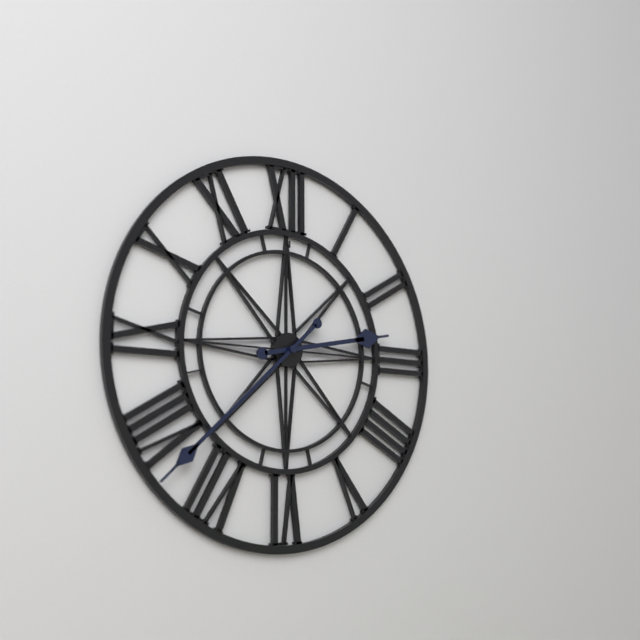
2:38
